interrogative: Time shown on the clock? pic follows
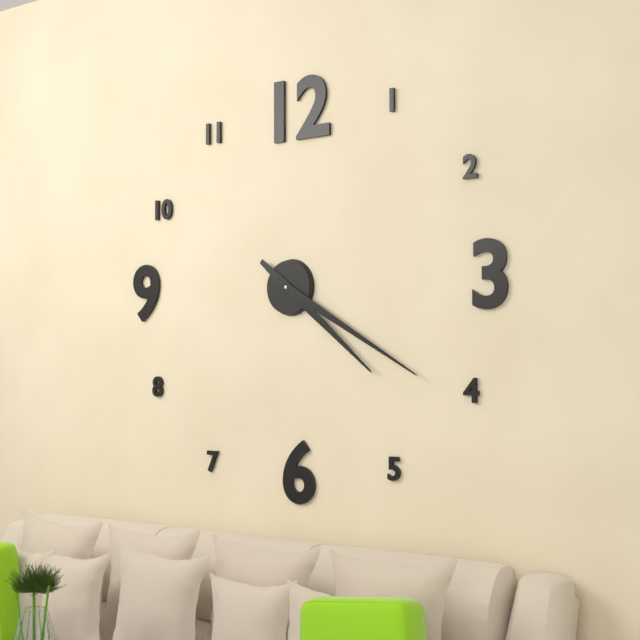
4:20
